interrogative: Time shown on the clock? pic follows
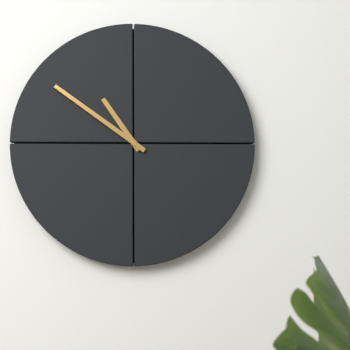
10:51
